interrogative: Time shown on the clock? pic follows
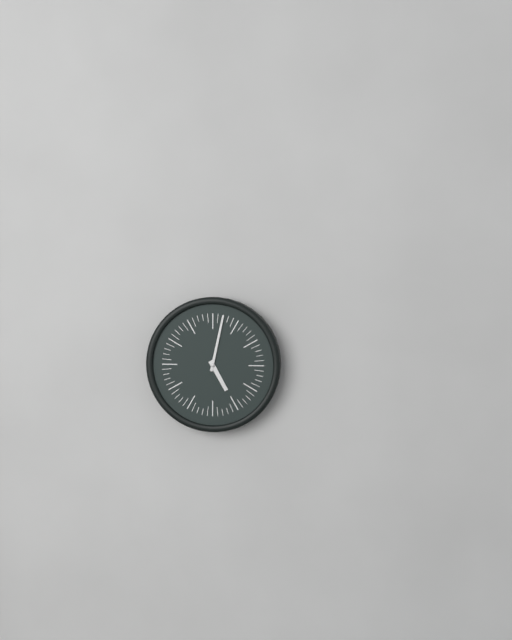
5:02
